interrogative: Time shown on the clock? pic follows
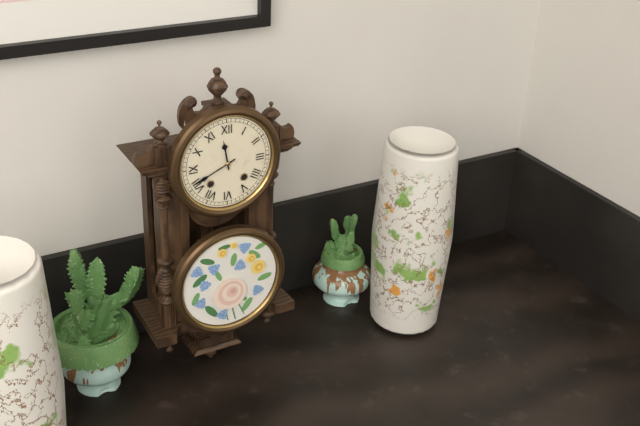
11:41
